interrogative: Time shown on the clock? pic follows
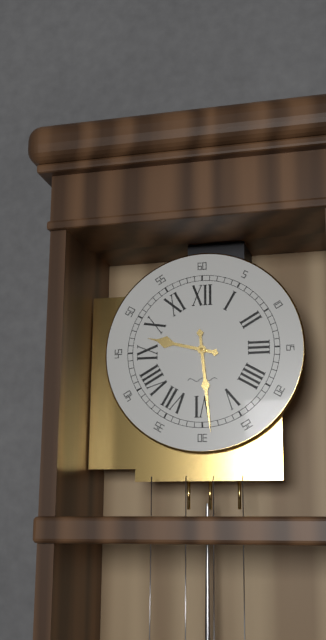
9:29
